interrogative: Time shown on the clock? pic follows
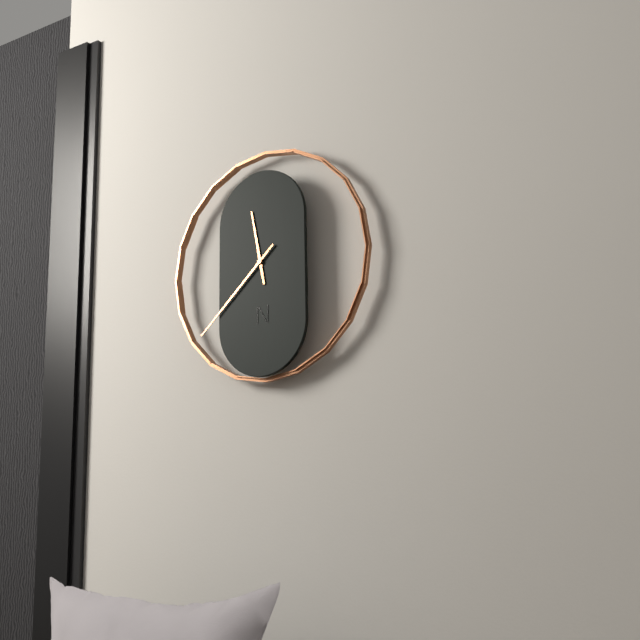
11:38
